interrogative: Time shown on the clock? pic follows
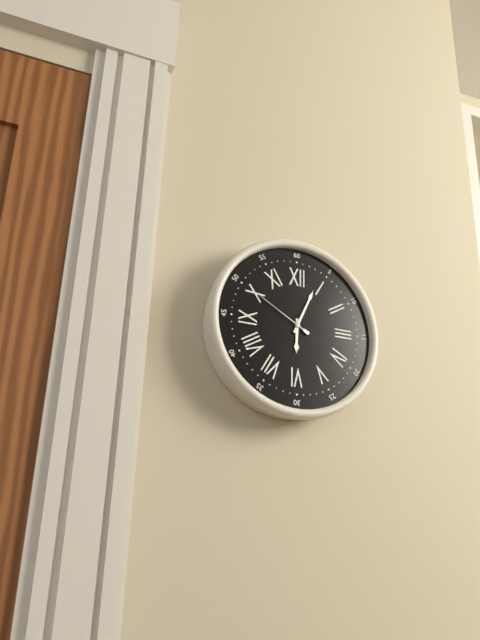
6:04:50
